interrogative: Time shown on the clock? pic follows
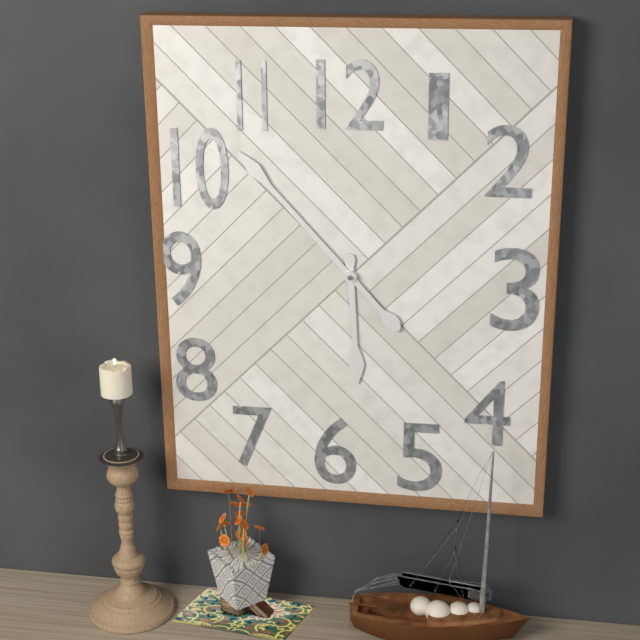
5:53
